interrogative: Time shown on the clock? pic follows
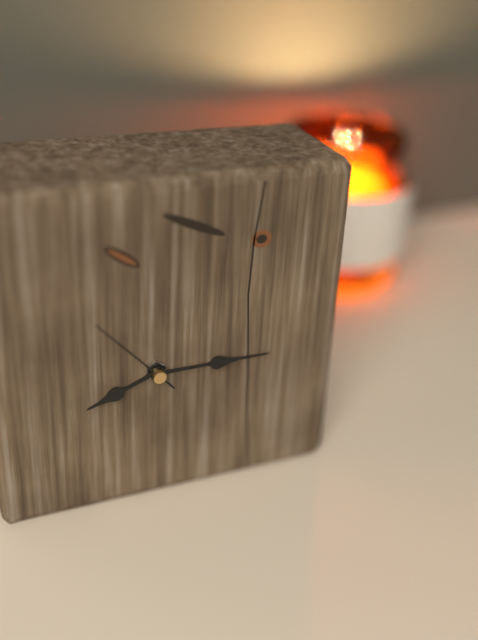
8:15:53
